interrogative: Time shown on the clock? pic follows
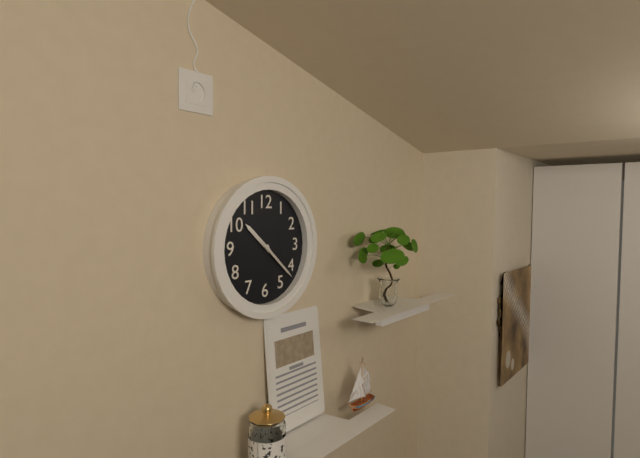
10:22
